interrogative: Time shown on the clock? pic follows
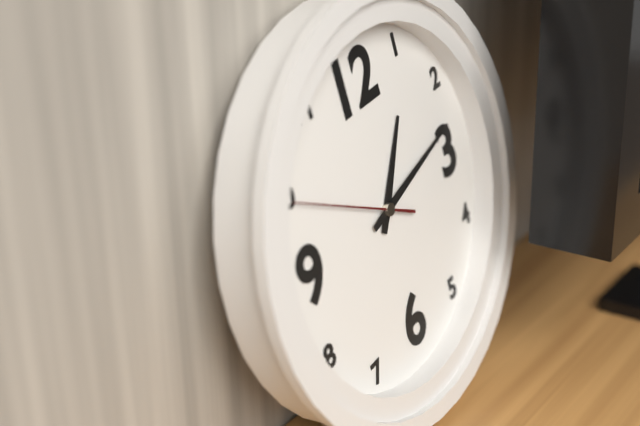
1:13:50
